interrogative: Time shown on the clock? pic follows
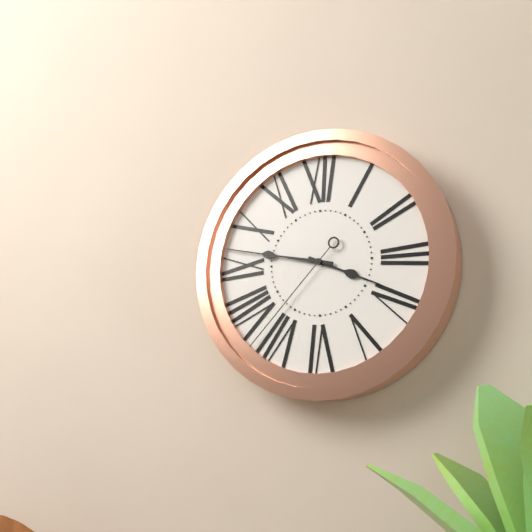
3:47:37
